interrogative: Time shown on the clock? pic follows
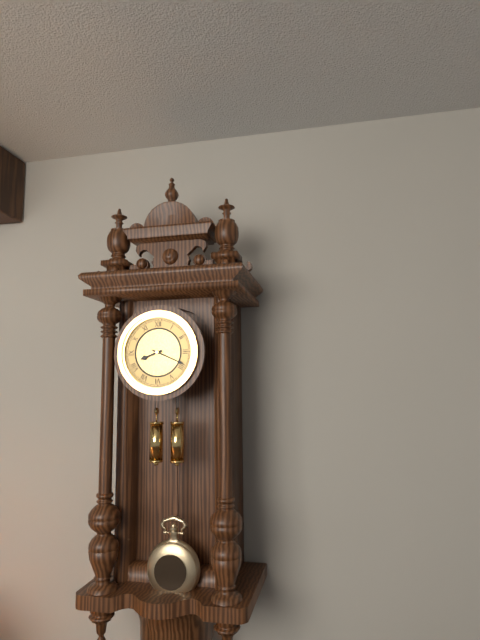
8:19
